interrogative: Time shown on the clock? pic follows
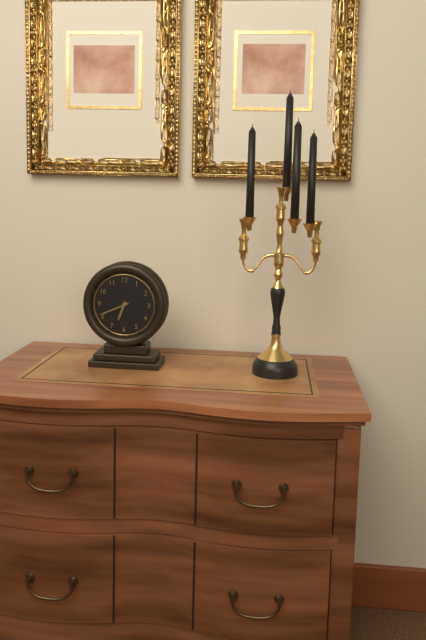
6:41
